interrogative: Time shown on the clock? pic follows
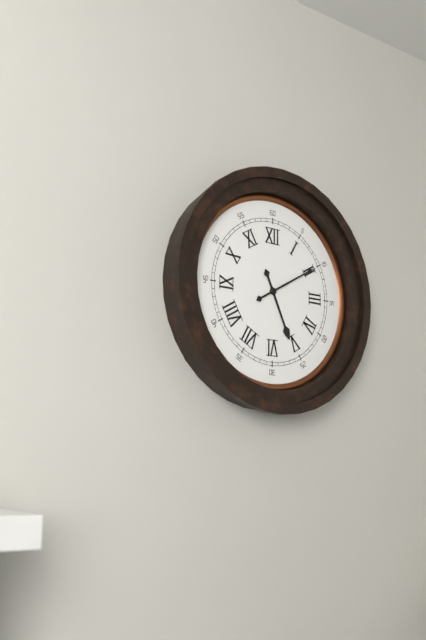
5:10
